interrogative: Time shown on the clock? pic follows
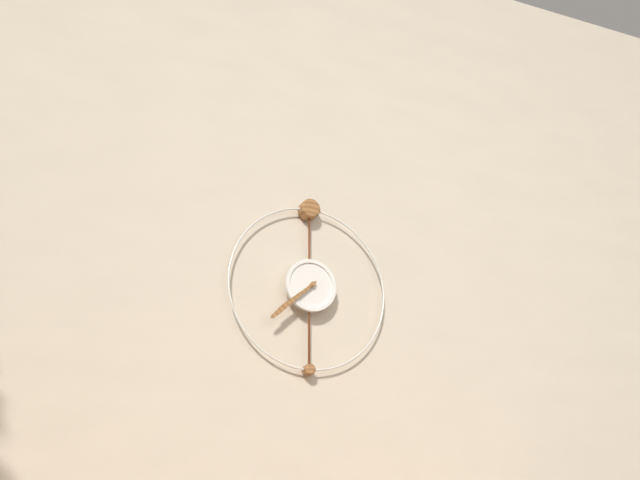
7:38
